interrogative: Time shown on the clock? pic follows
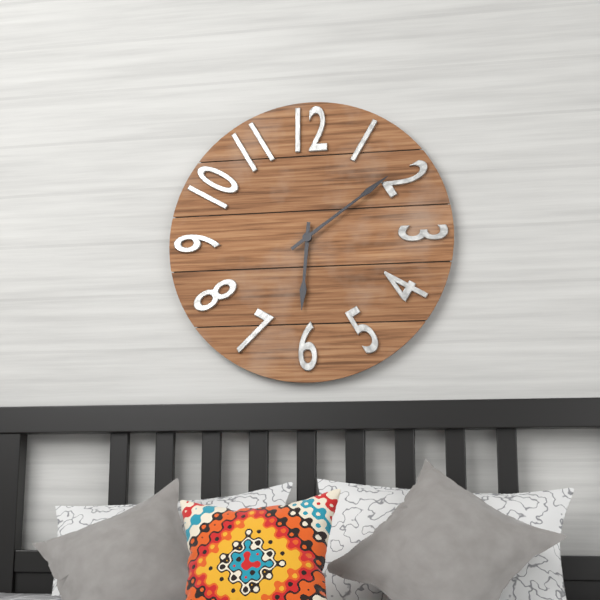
6:09
